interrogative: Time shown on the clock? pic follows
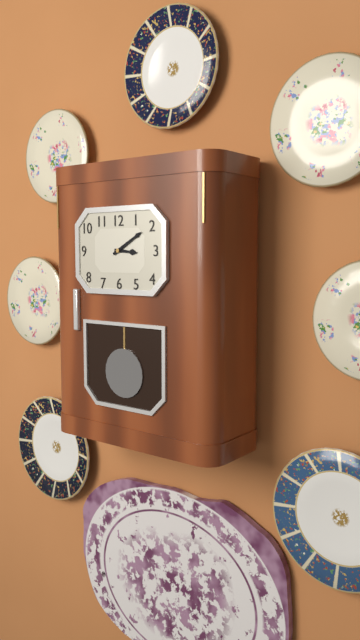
3:10
